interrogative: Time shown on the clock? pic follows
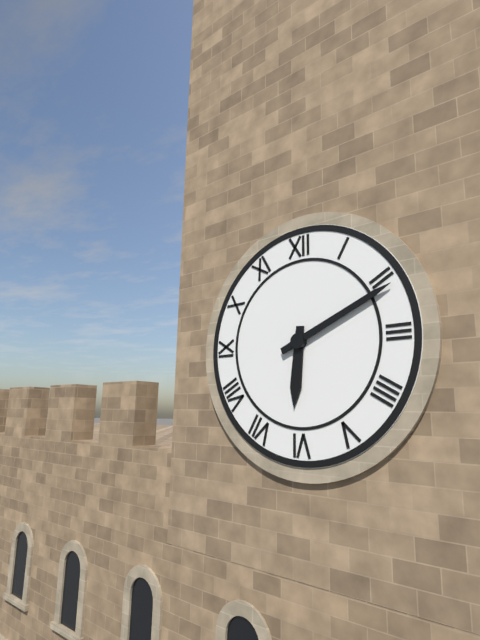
6:11
